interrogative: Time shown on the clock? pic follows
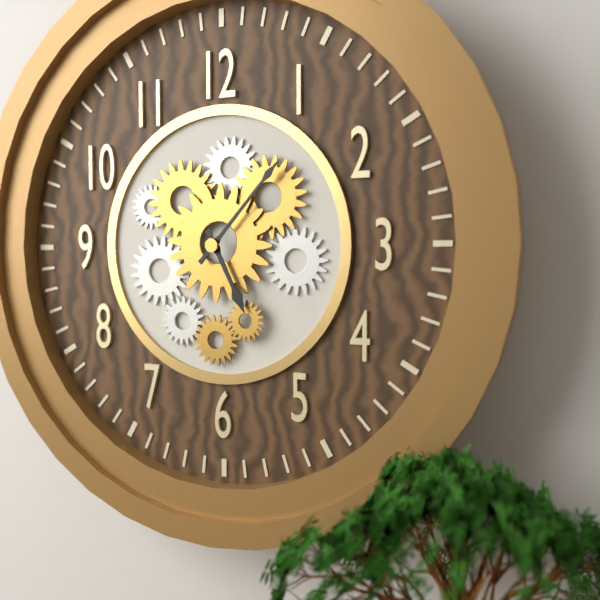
5:07
